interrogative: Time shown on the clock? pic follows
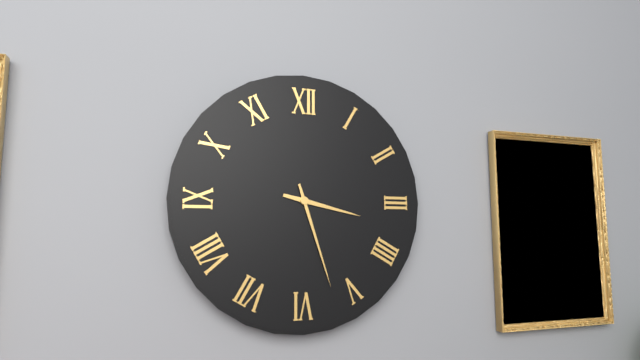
3:27
